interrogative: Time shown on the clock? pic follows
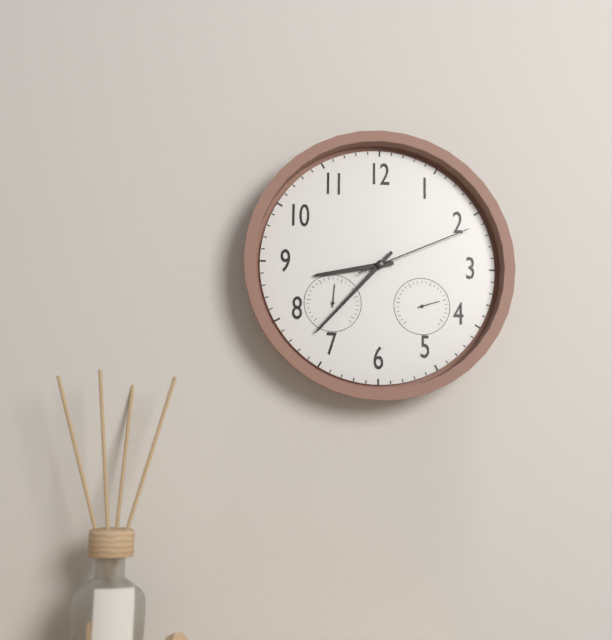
8:37:11
